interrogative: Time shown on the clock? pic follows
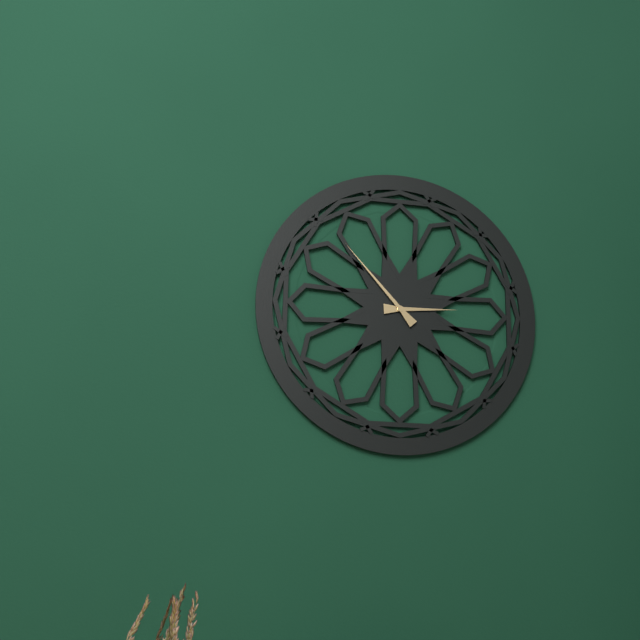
2:53
